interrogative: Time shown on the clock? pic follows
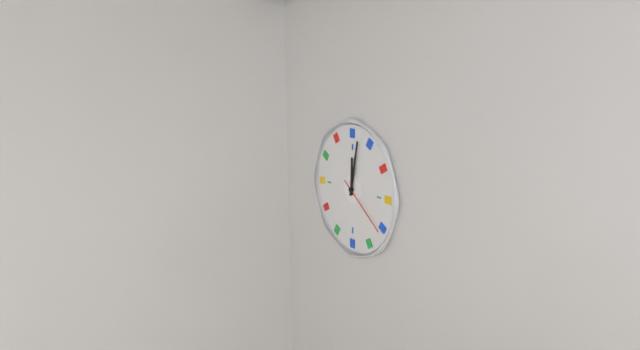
12:02:21
